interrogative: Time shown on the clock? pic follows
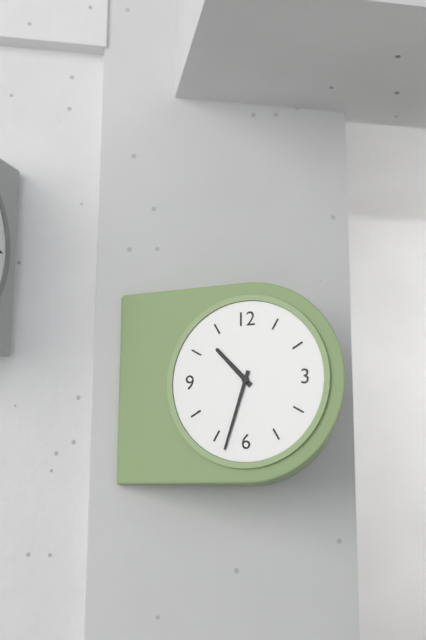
10:33
